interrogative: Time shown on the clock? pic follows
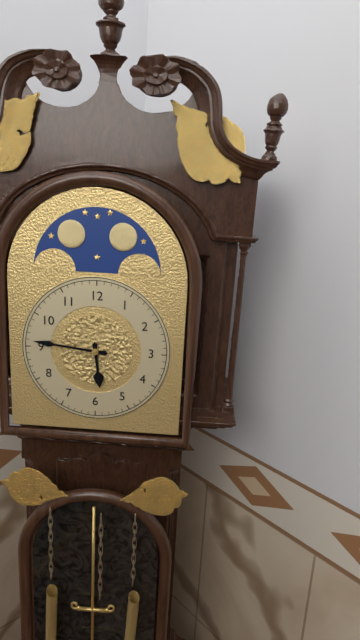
5:46
